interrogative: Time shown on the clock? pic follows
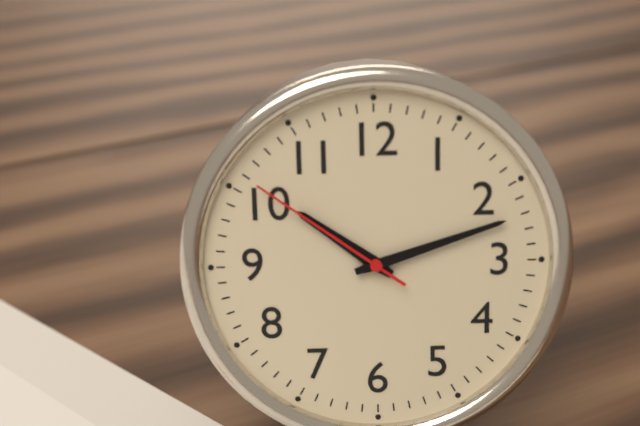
10:12:51
